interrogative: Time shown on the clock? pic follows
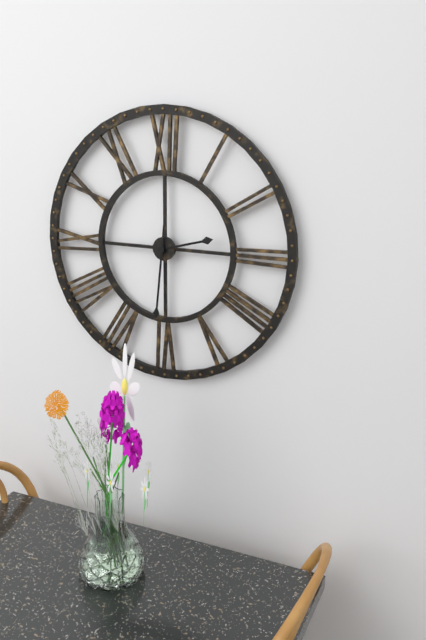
2:31
